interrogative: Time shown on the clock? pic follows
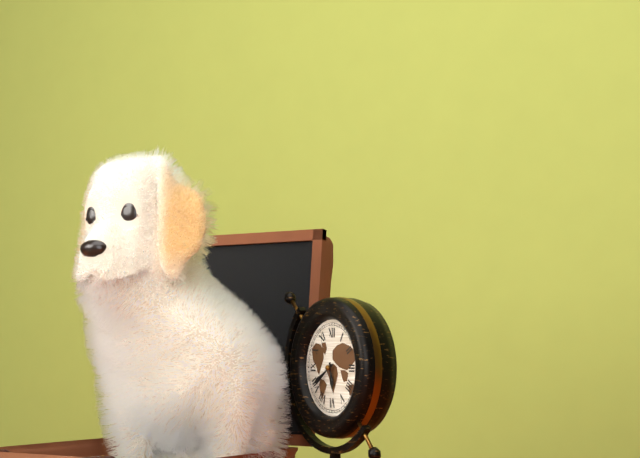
5:40
